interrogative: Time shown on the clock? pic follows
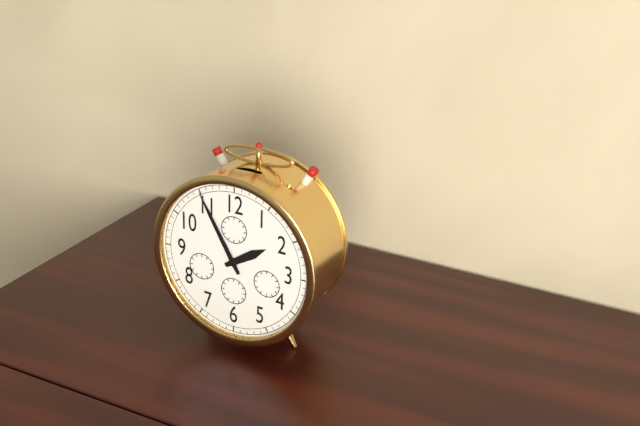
1:55
